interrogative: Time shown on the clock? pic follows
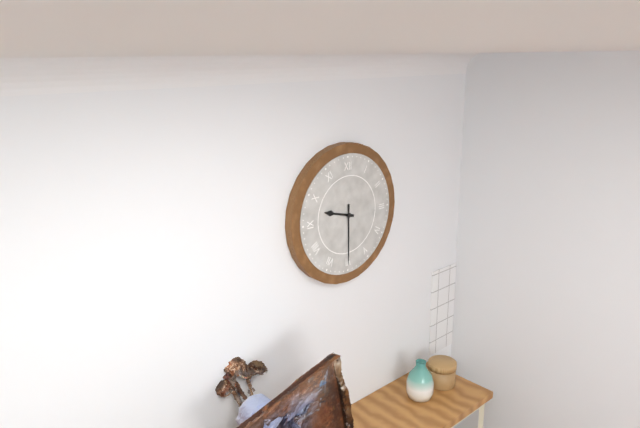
9:30
